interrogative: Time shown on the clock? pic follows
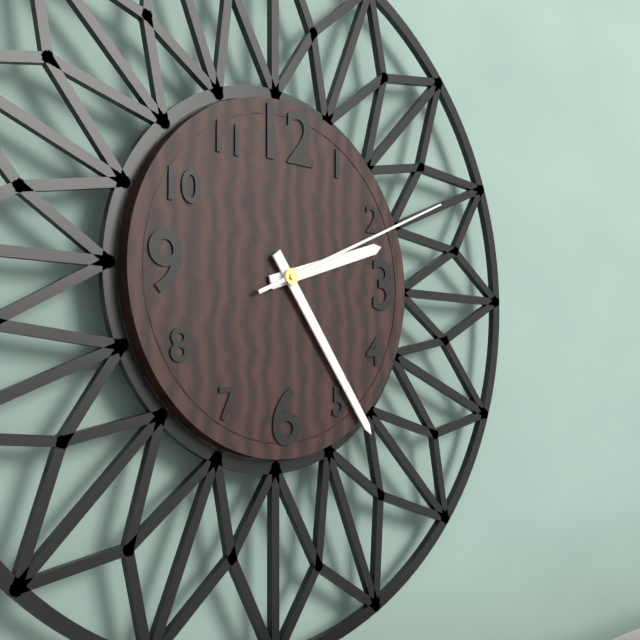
2:24:11
